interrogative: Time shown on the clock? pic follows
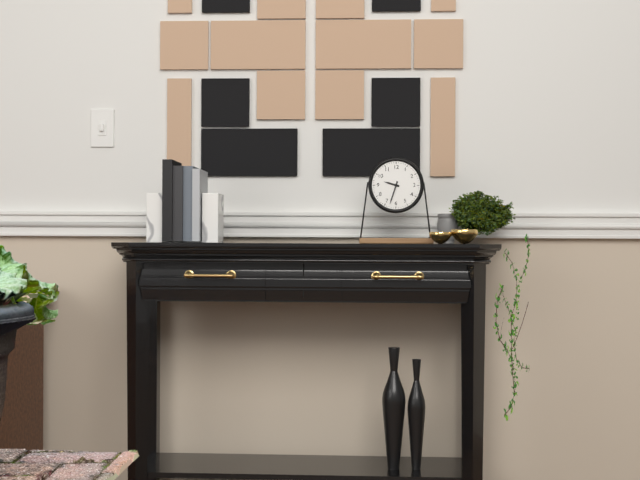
9:33
